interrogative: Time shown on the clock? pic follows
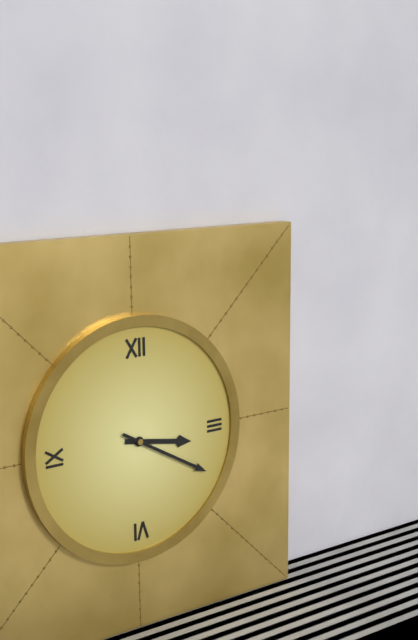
3:20
